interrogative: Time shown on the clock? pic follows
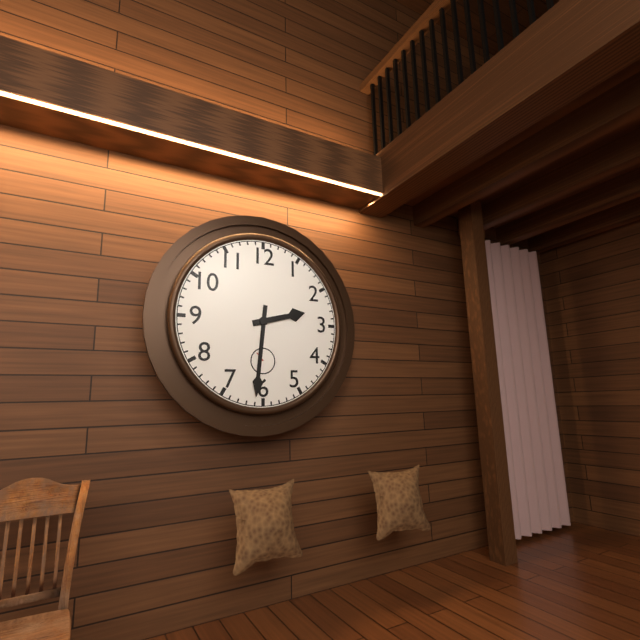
2:31
